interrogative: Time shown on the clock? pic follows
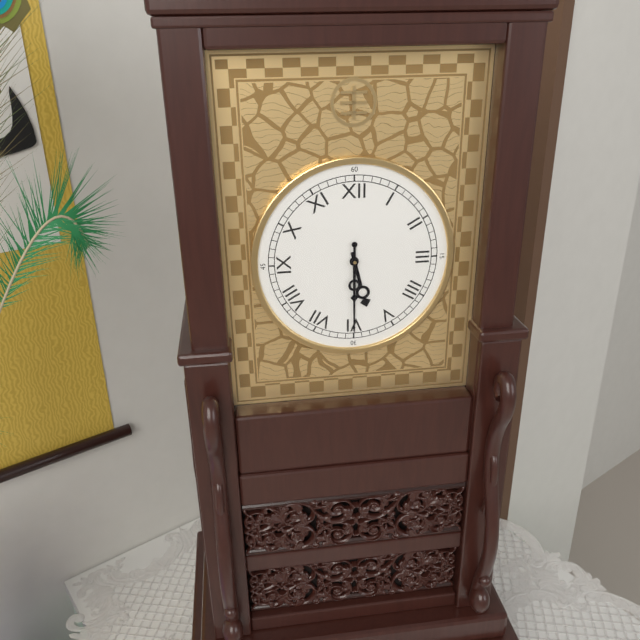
5:30
